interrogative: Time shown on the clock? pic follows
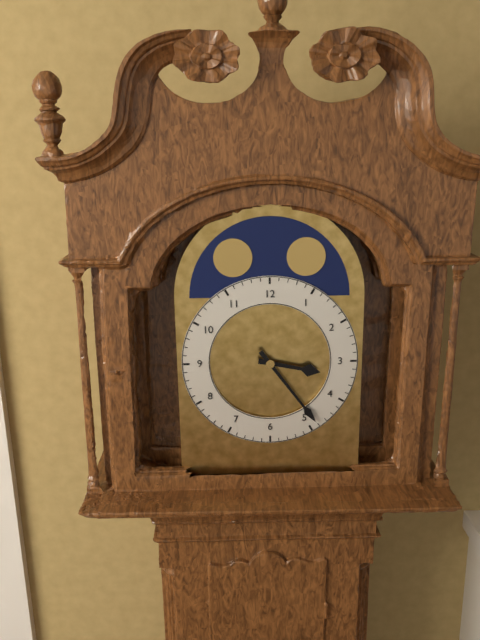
3:24
